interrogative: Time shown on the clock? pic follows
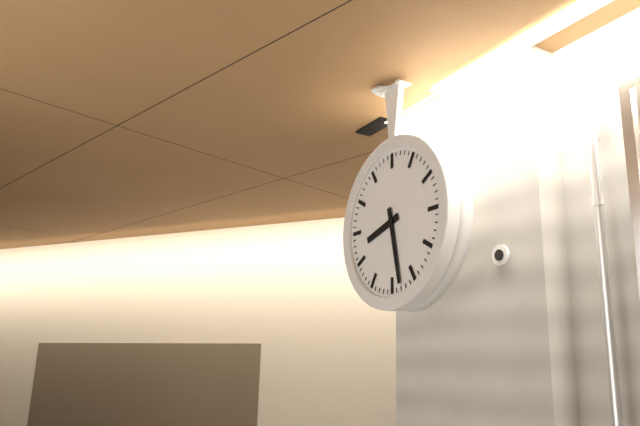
8:28
